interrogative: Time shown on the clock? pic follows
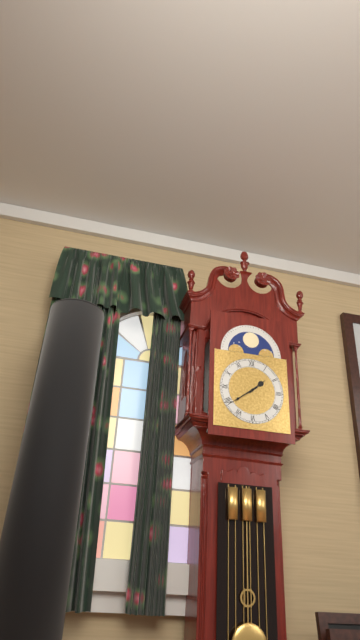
1:39
